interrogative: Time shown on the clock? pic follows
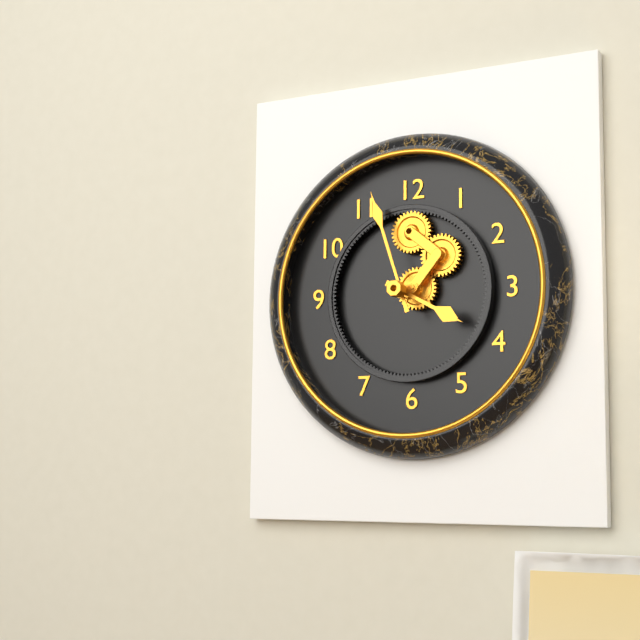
3:57
